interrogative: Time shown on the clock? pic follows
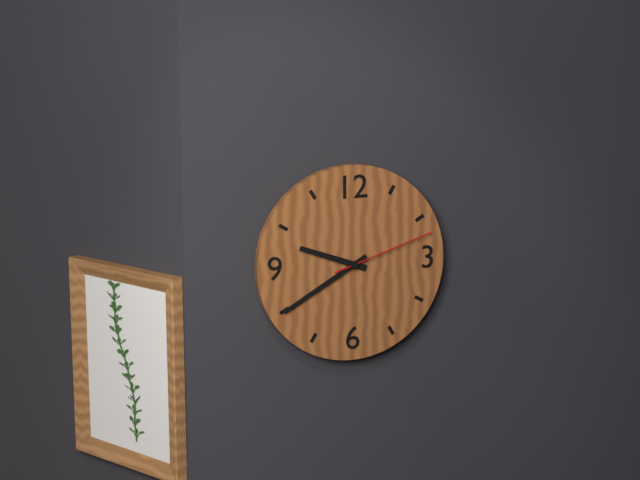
9:40:12
